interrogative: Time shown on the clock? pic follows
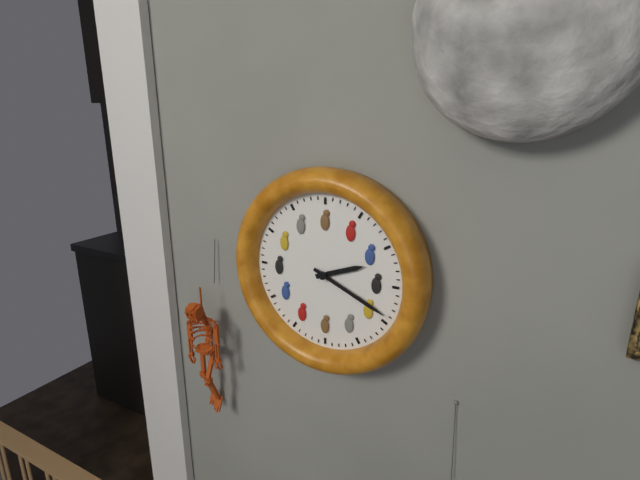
2:19
